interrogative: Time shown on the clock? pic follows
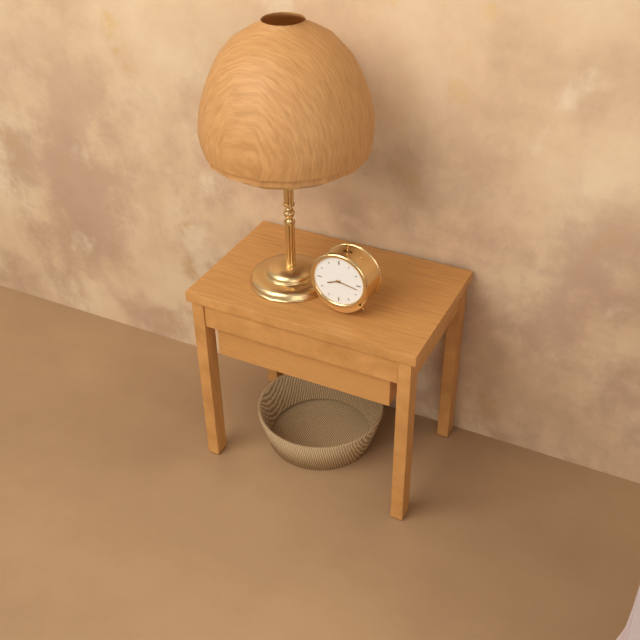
8:17
